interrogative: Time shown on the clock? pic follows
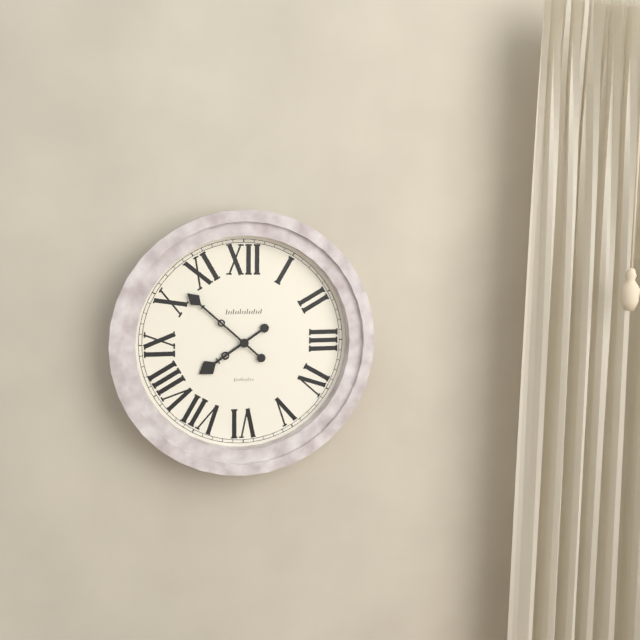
7:52
